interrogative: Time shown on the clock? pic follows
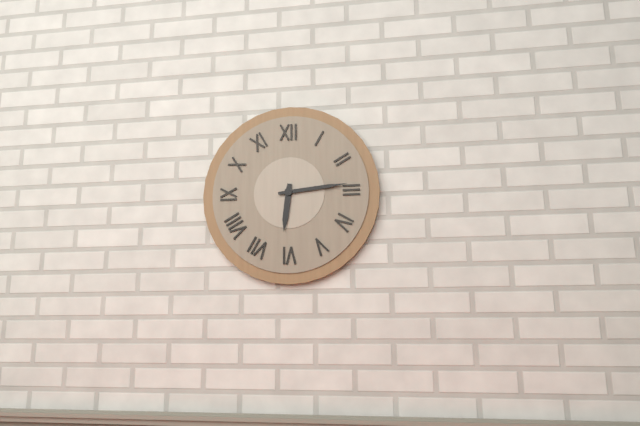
6:14
